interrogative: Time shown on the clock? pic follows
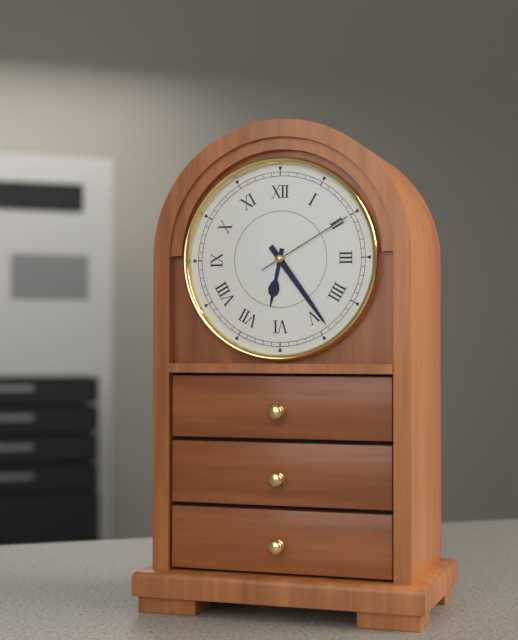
6:24:10
